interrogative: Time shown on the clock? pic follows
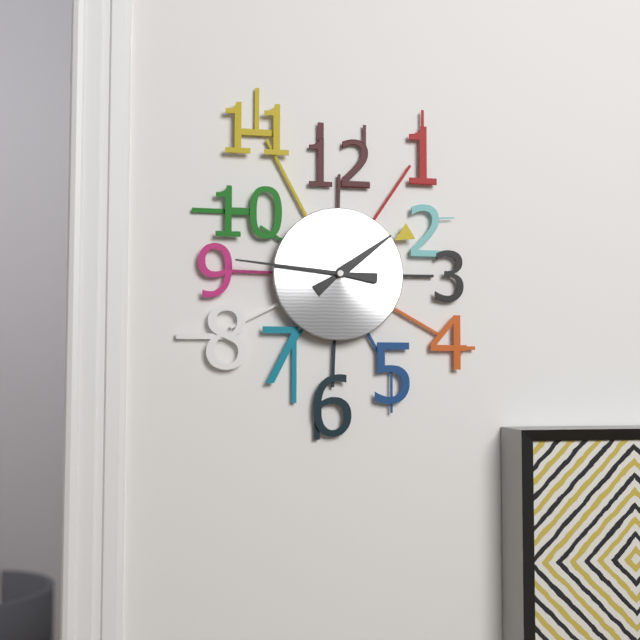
1:46
